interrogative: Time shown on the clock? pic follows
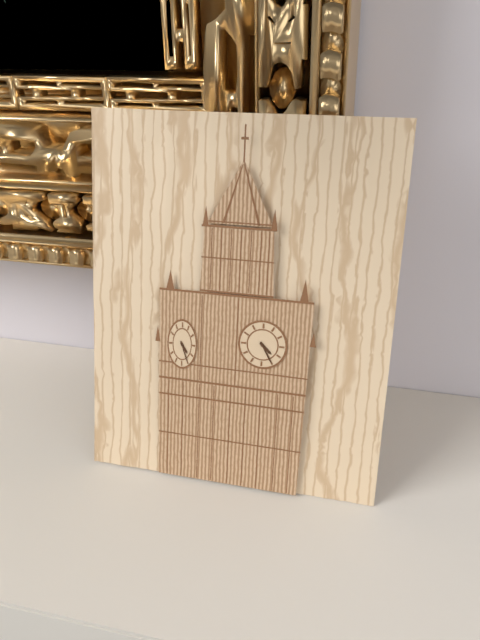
4:25
